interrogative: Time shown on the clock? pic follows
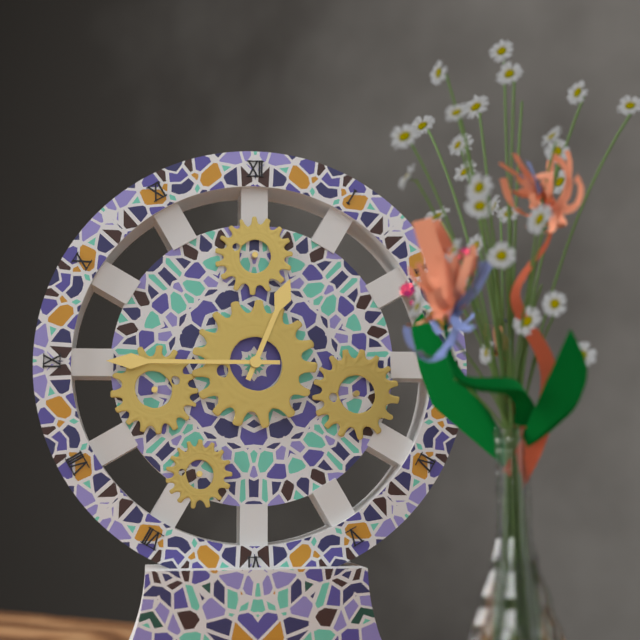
12:45
